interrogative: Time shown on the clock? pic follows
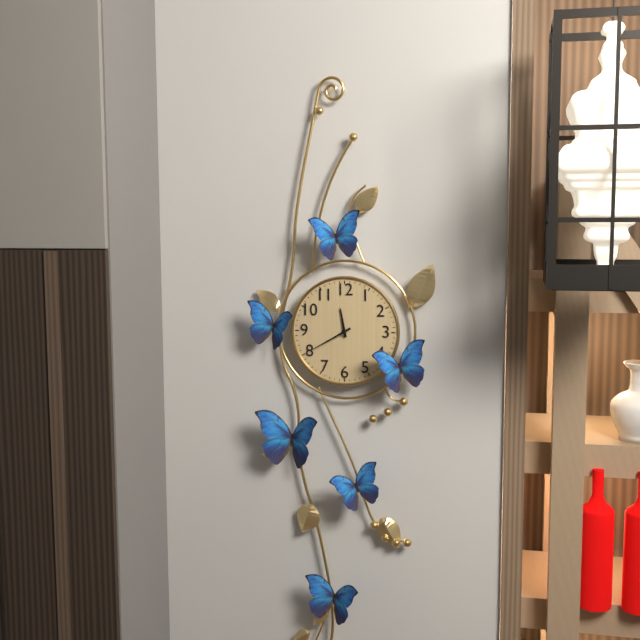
11:40
